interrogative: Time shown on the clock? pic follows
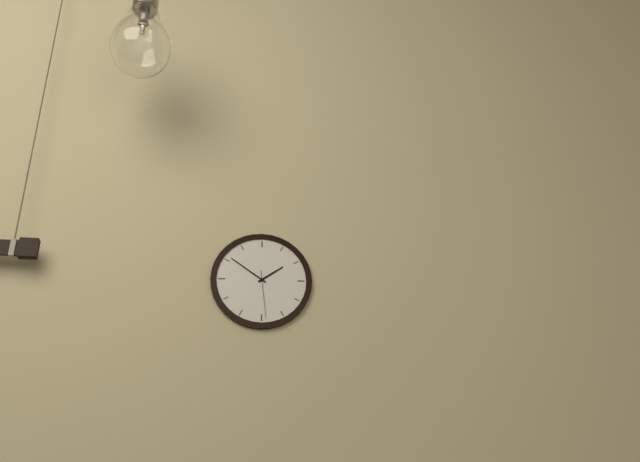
1:51
